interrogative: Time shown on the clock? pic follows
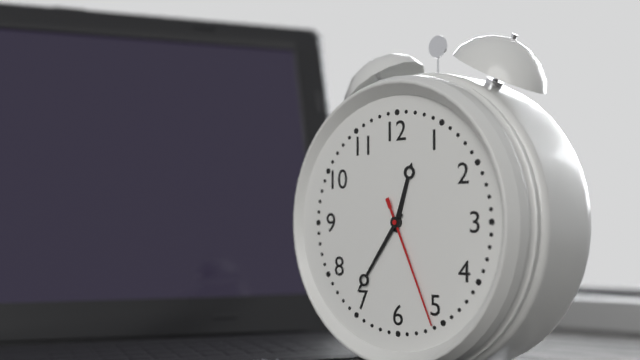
12:36:26
